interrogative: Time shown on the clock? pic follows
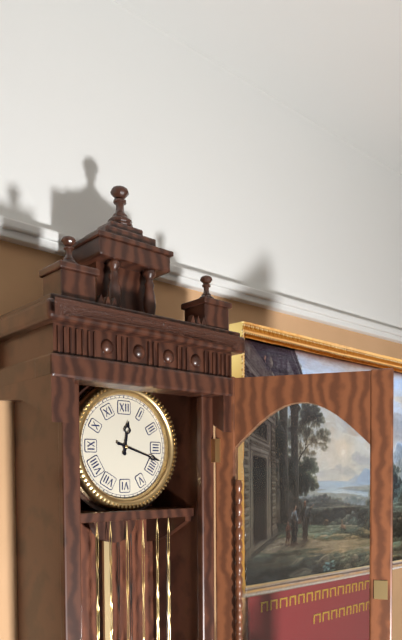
12:18
